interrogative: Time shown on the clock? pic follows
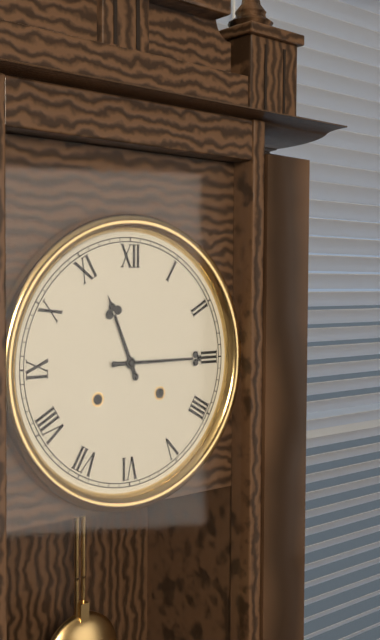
11:15
